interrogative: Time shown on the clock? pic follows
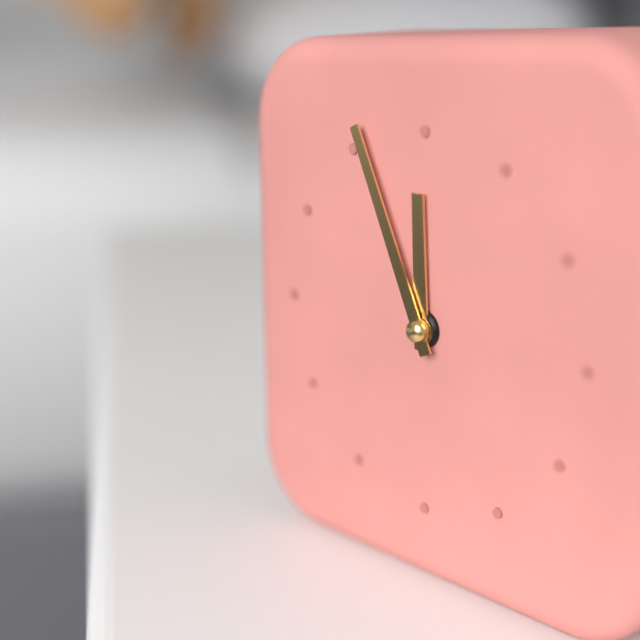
11:56
